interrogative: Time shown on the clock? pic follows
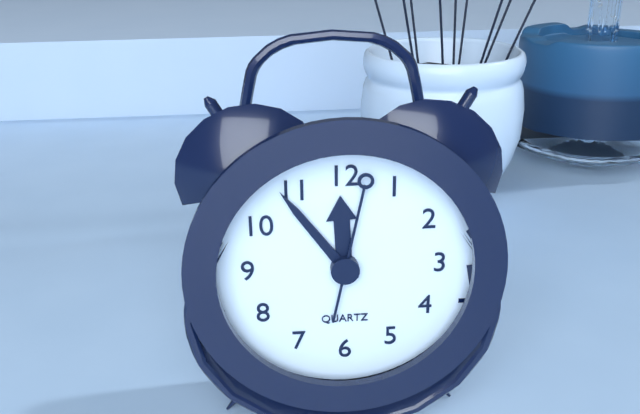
11:54:02
